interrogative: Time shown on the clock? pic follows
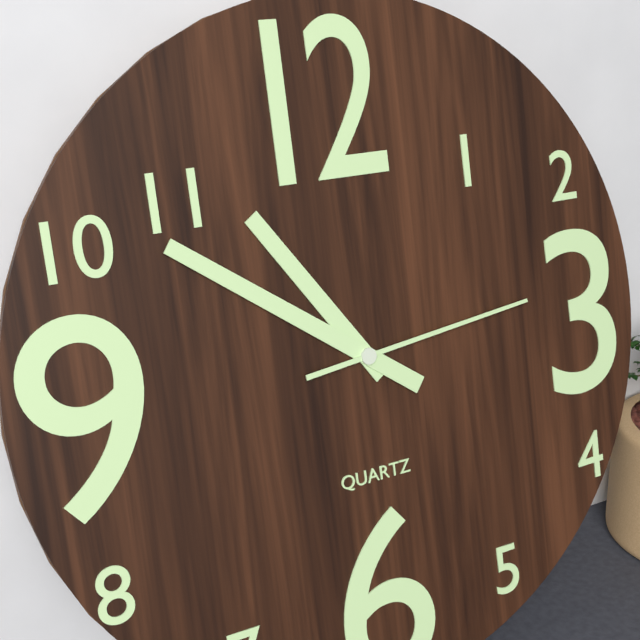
10:51:14
